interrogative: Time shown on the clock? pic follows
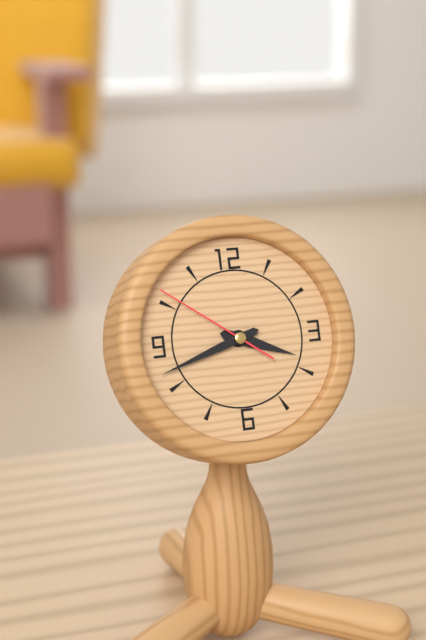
3:42:51
